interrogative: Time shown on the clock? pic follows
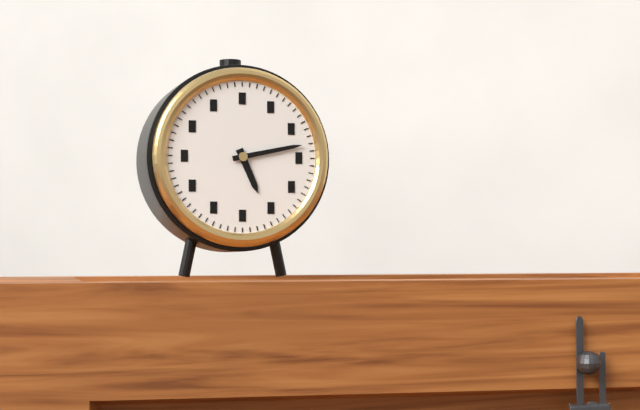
5:13
